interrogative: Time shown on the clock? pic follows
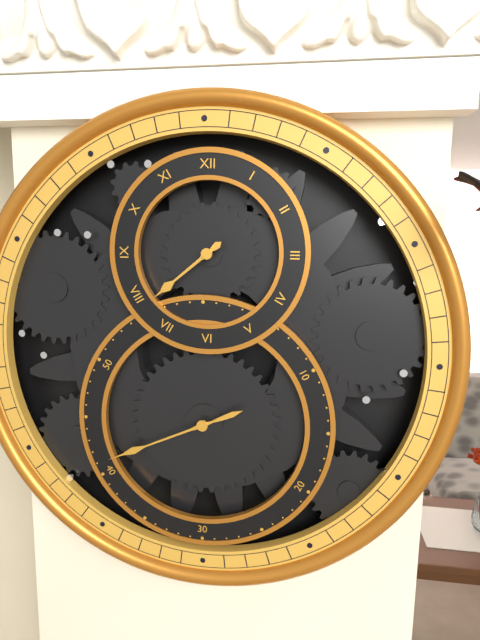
7:41
